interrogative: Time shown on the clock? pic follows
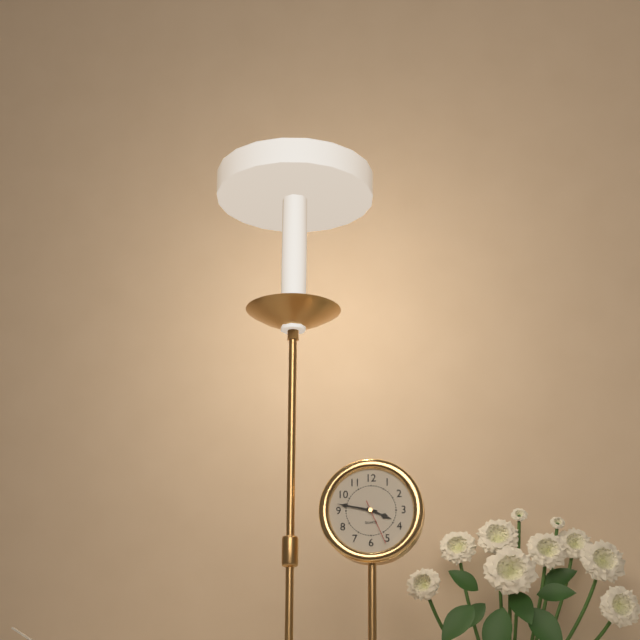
3:47
